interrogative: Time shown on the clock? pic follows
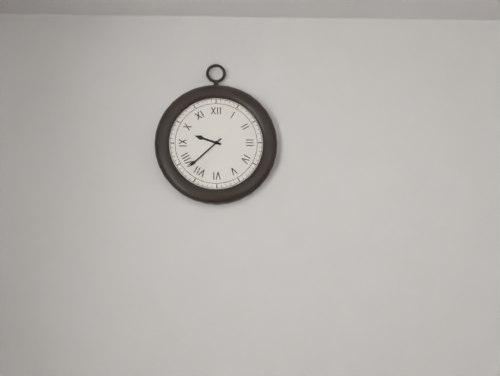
9:38
